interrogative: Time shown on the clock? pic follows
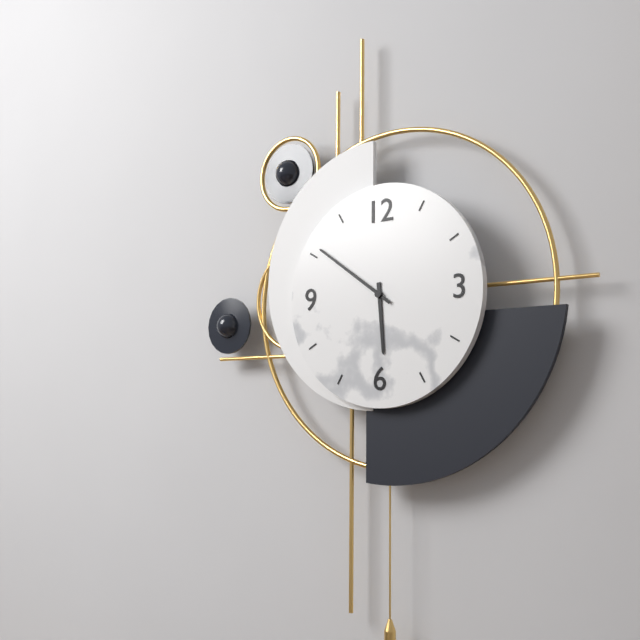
5:51
